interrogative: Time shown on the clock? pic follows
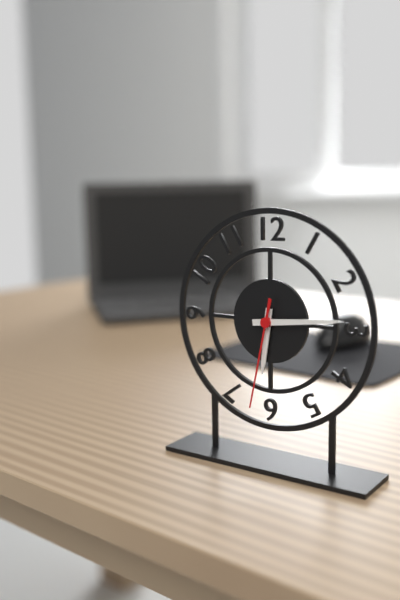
6:14:32
